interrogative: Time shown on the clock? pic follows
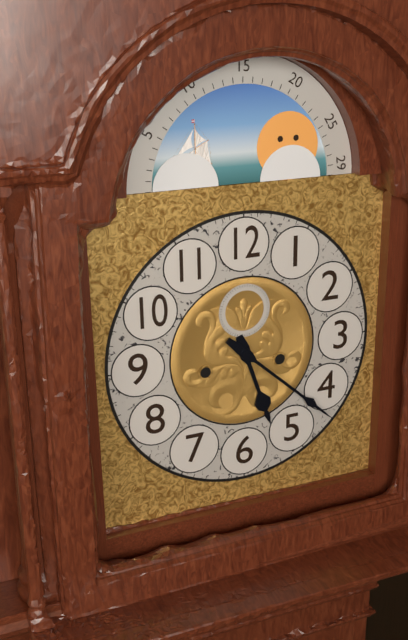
5:22
